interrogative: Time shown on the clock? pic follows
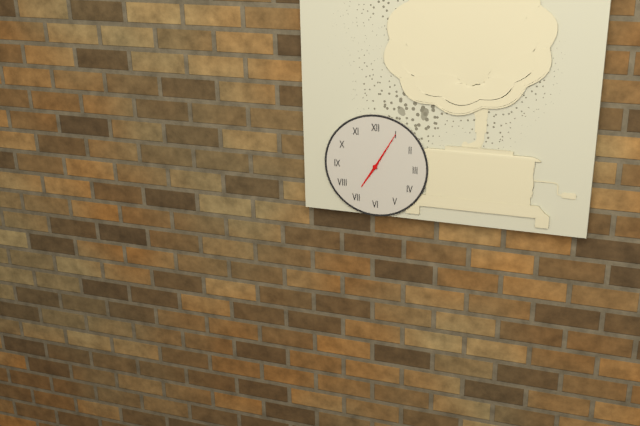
7:05
